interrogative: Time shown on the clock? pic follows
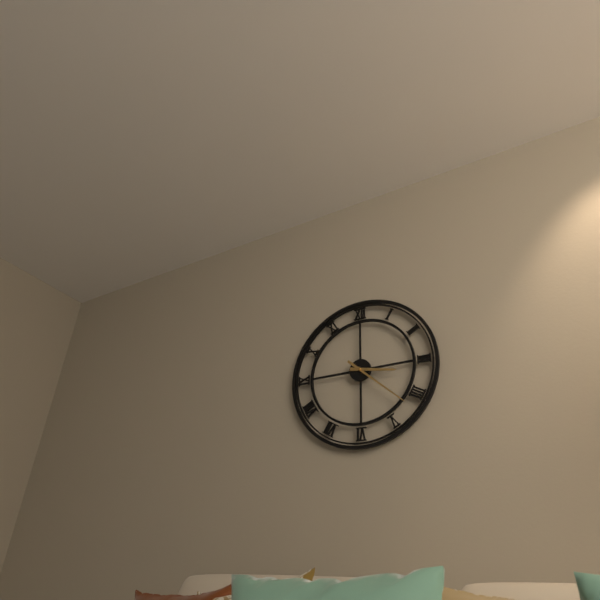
3:22
